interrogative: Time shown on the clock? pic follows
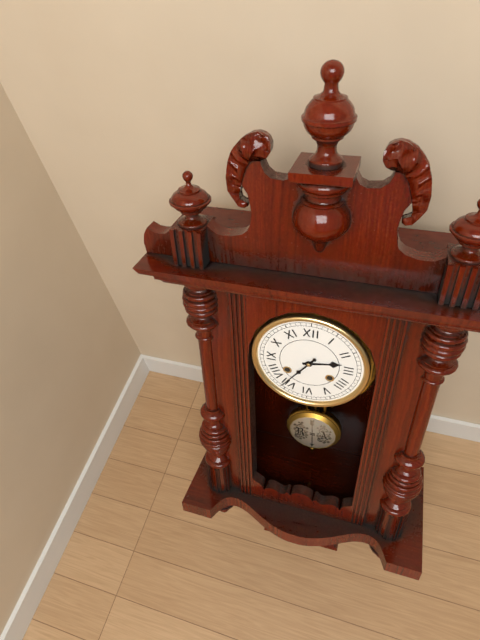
2:36
